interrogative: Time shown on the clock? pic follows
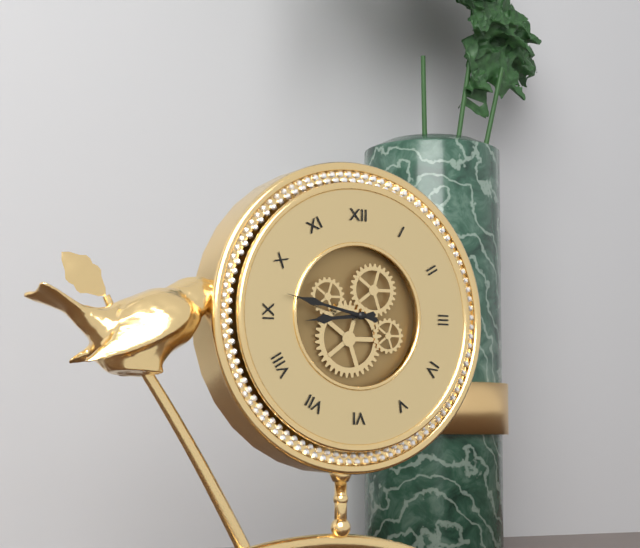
8:47
